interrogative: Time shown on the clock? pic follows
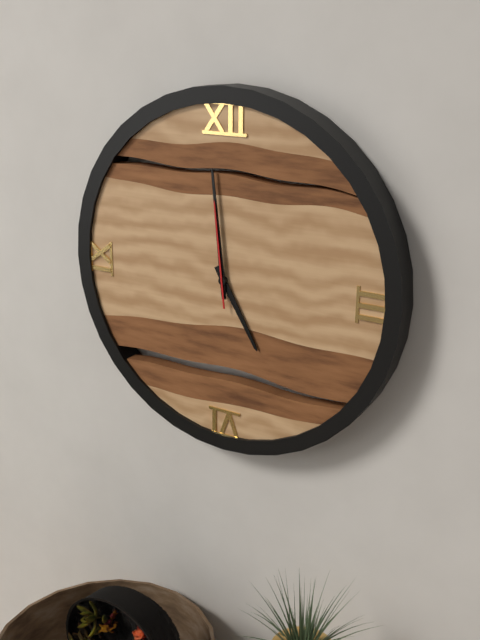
4:59:59
